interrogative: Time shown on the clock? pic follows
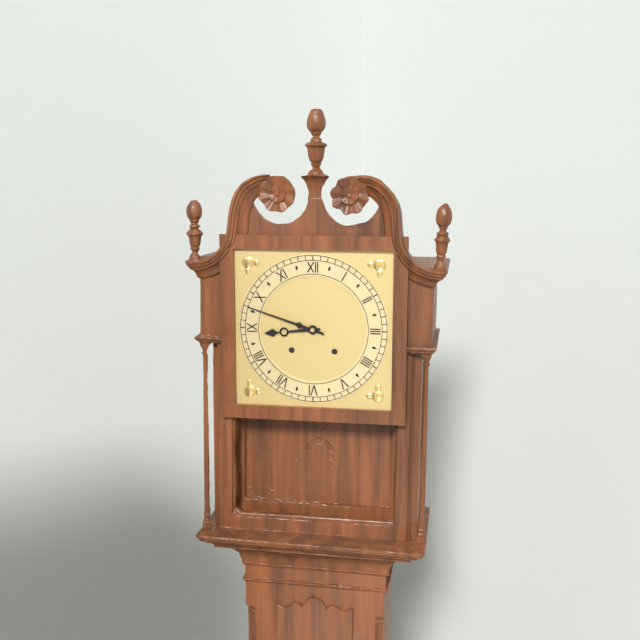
8:48
